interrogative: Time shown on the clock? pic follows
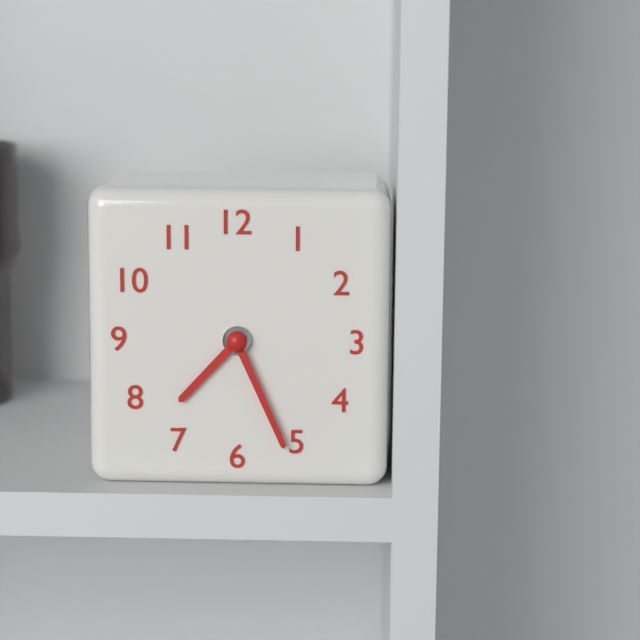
7:26
